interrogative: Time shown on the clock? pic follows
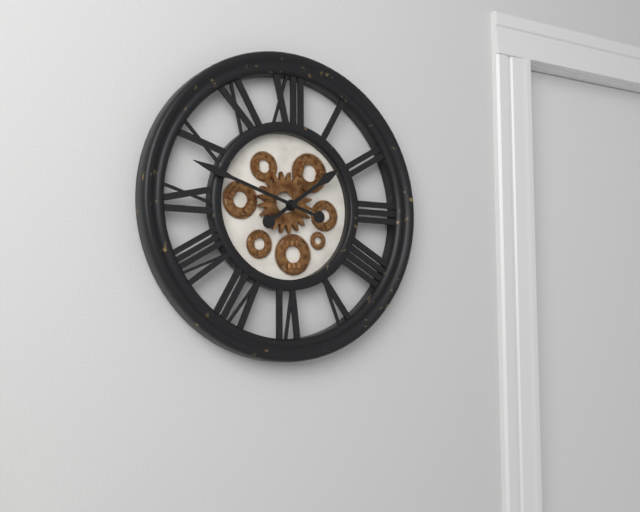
1:48
